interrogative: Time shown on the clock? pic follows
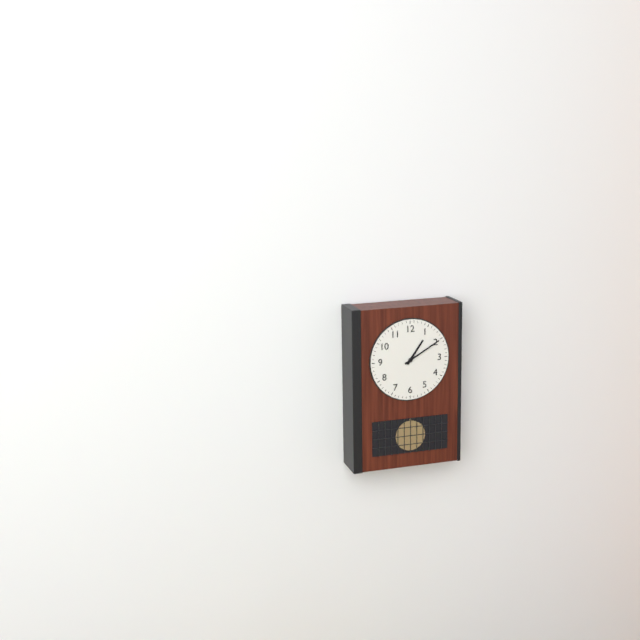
1:10
